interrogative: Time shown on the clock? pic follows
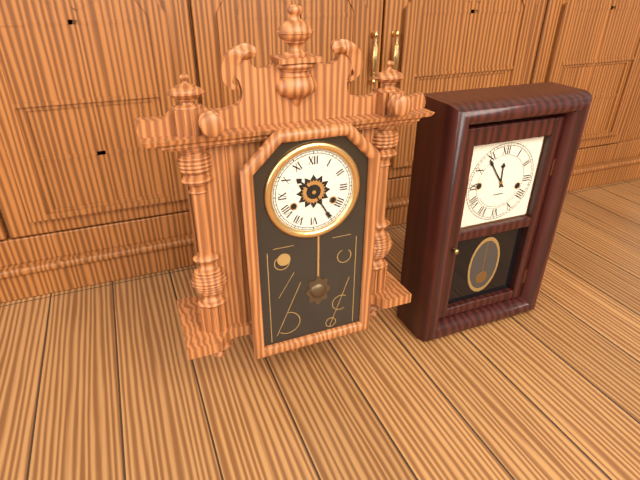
10:25
